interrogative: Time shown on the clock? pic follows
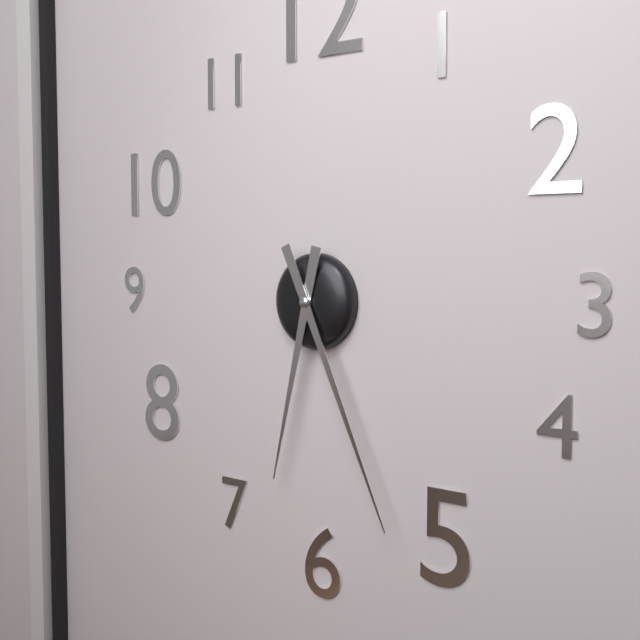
6:26
